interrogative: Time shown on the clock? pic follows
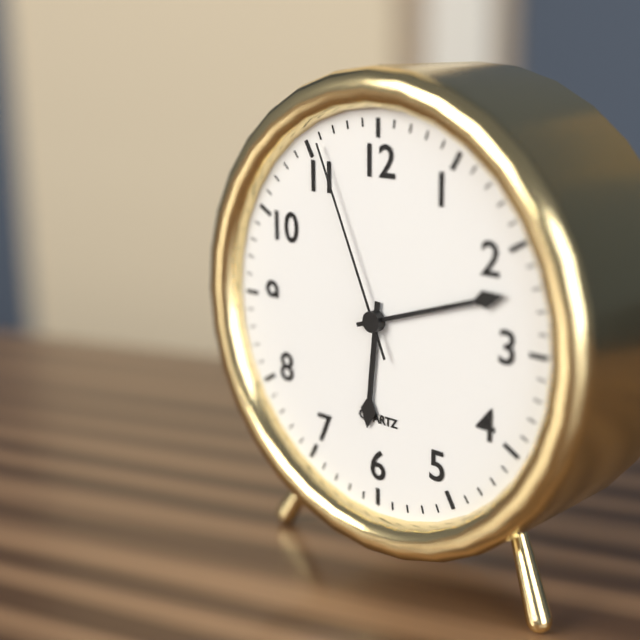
6:12:56
